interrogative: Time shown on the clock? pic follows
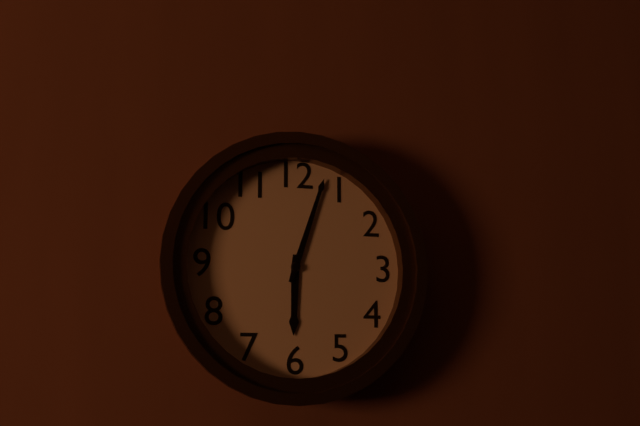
6:03
